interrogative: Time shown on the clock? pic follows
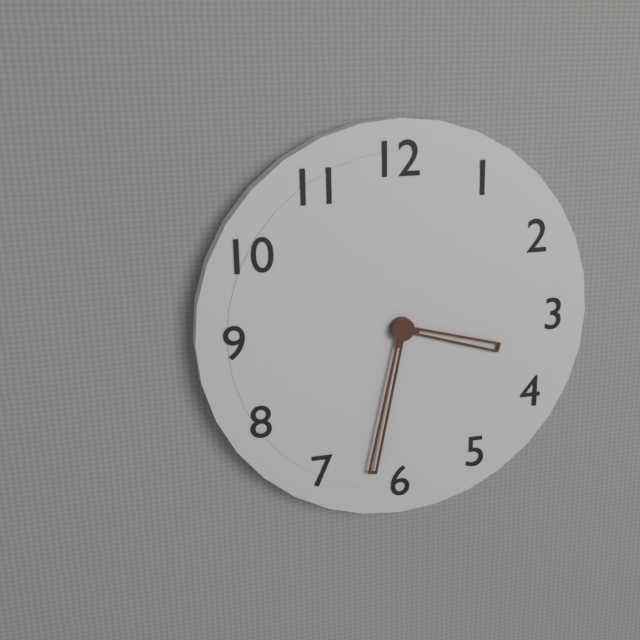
3:32
